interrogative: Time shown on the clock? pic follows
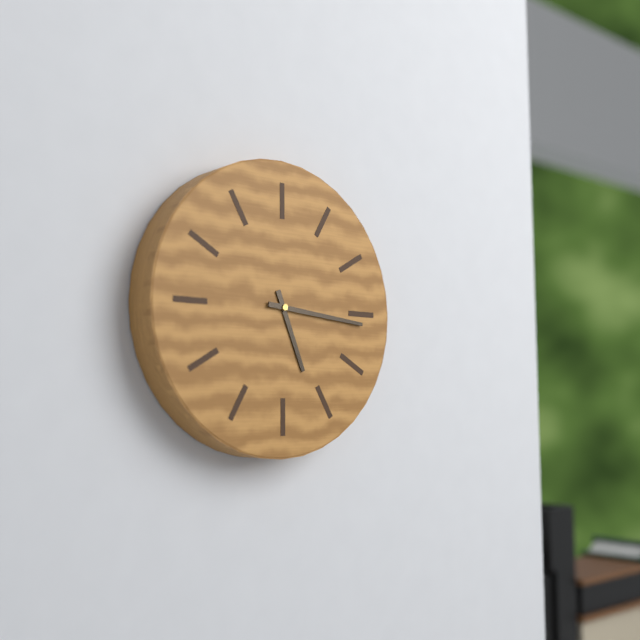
5:16
